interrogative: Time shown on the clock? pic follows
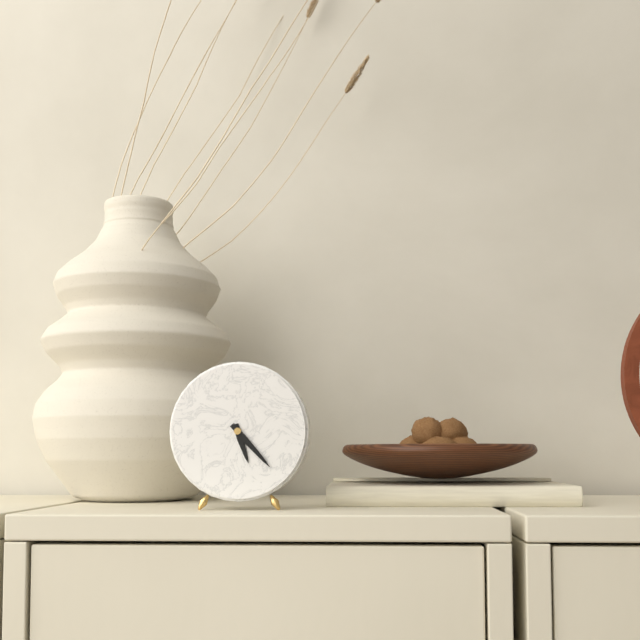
5:23
